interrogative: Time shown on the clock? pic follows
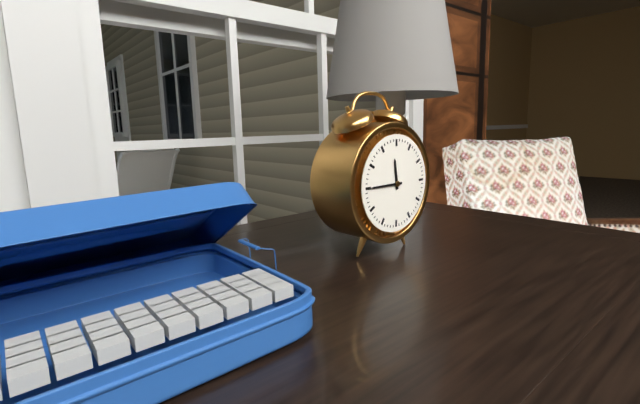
11:45
